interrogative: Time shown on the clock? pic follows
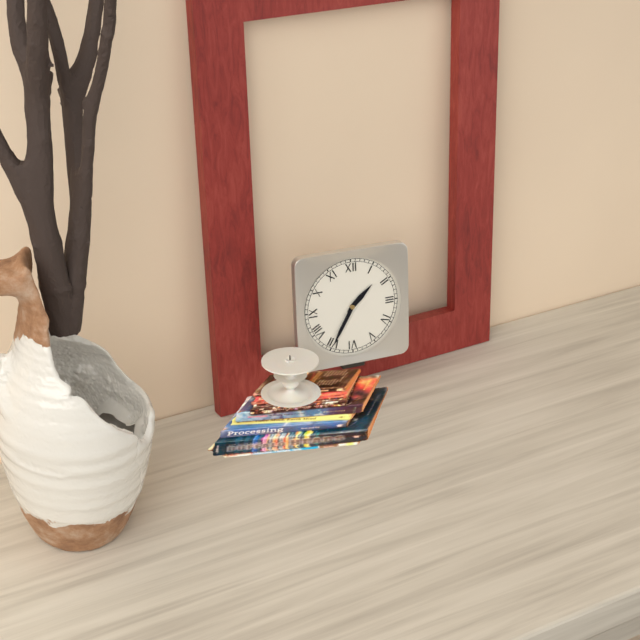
1:35
